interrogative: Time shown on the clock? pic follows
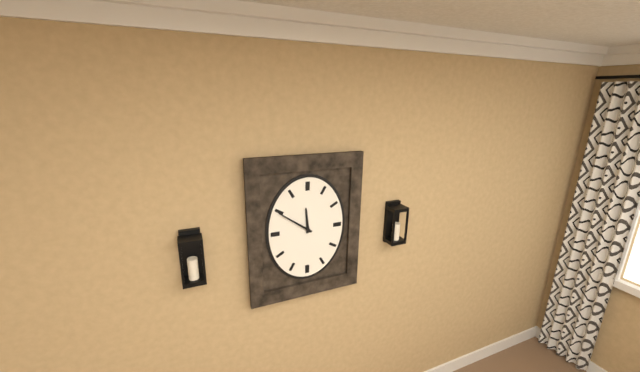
11:51
